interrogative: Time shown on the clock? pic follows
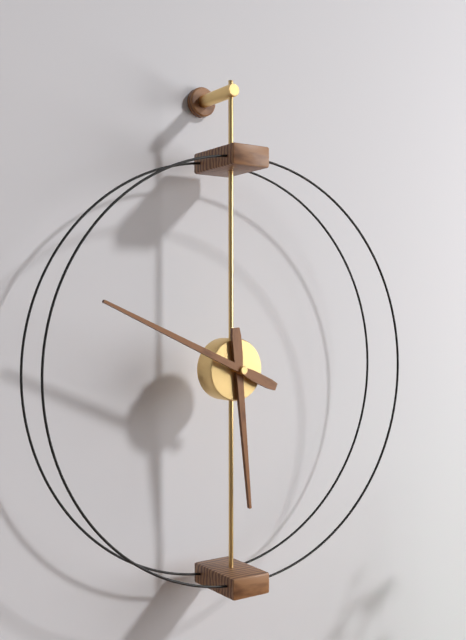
5:49
